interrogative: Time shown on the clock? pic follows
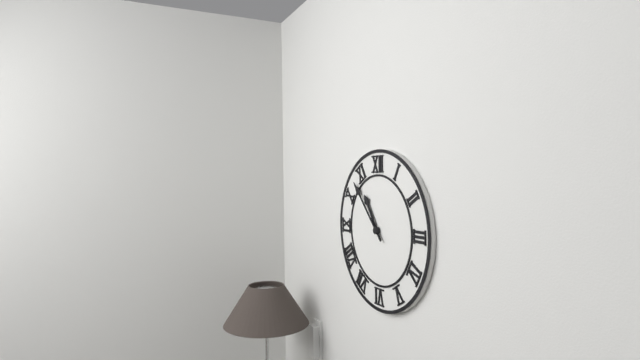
10:53
